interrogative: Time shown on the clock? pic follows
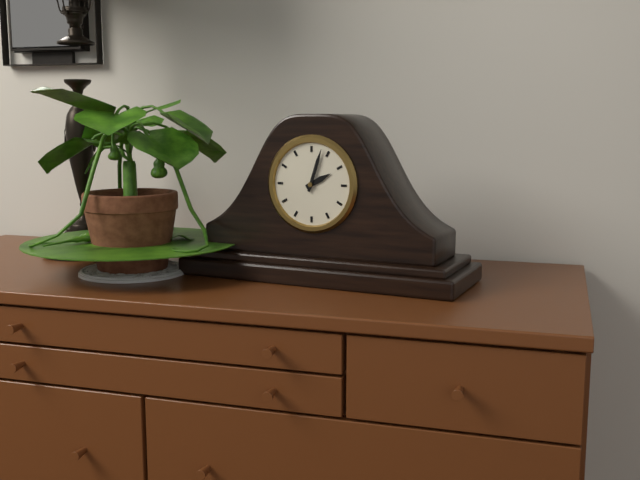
2:03
